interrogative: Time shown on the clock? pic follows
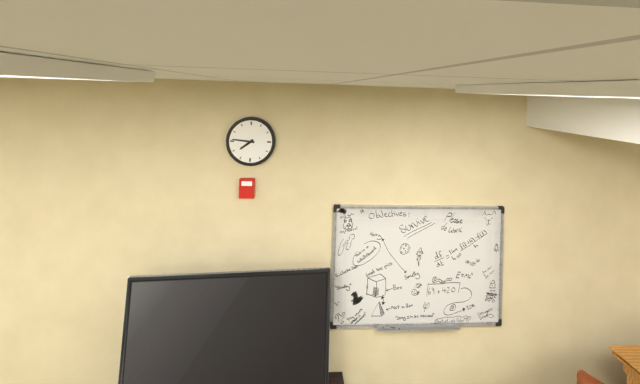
7:46
